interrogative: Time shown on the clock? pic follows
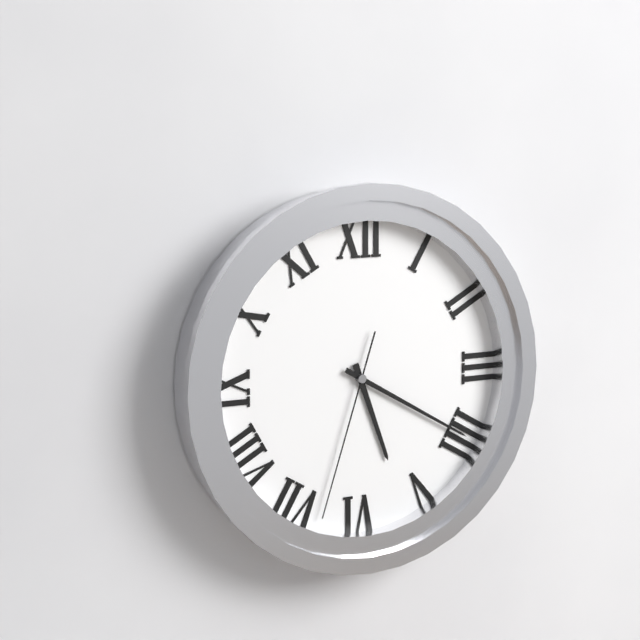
5:20:33
